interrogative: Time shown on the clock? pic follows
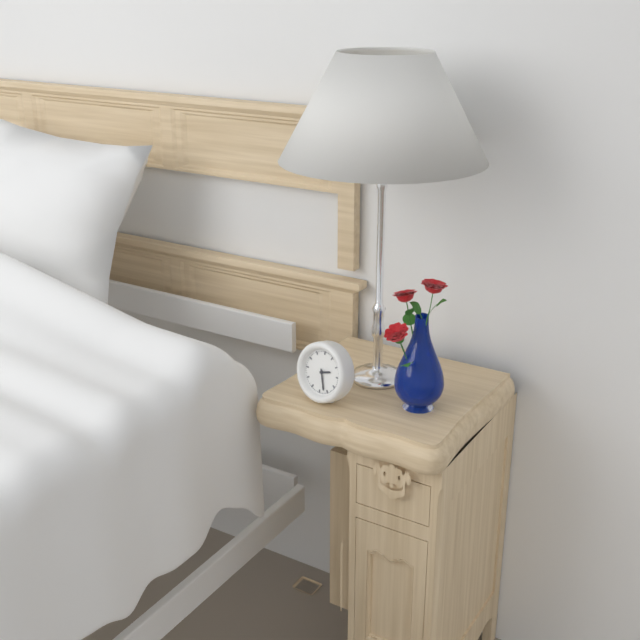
2:27
